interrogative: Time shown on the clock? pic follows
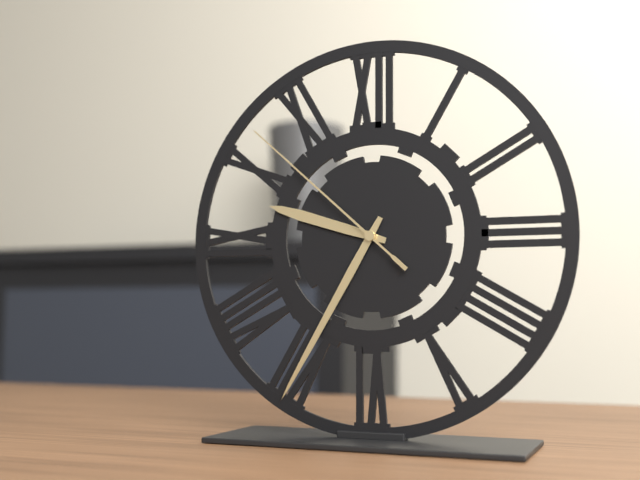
9:35:52
